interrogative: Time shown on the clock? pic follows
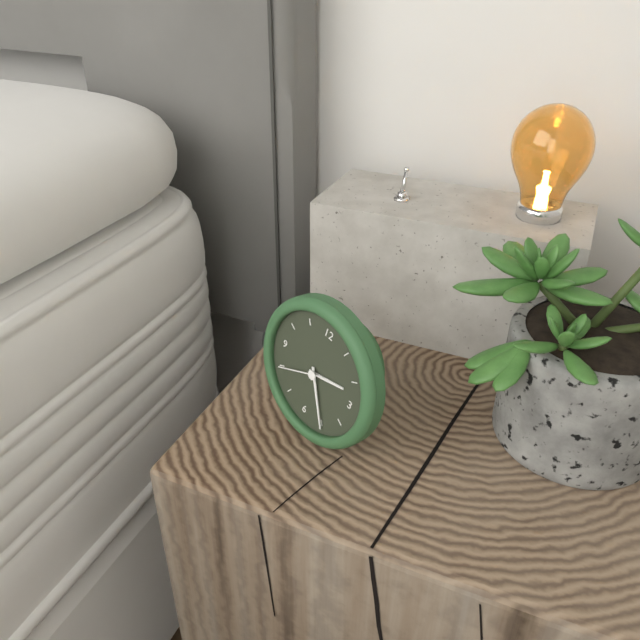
2:25
